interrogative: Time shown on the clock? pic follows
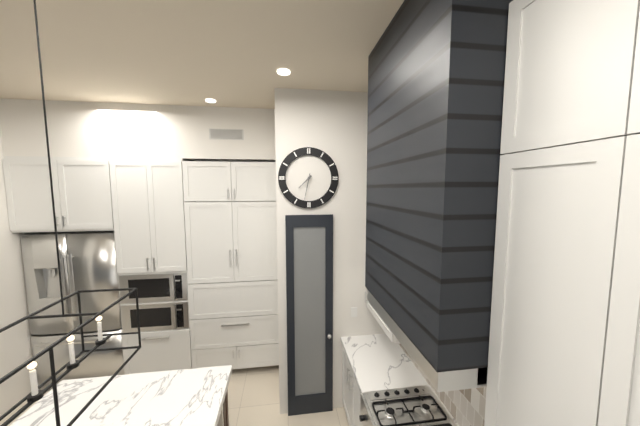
7:32
